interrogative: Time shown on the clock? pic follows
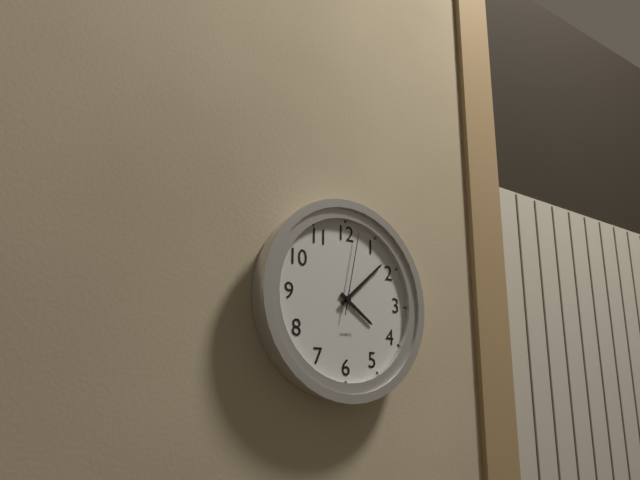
4:08:02
